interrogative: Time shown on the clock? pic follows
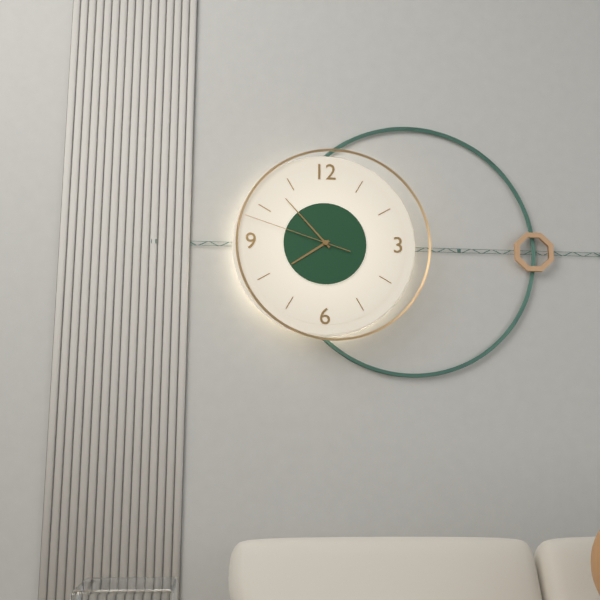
7:53:48
